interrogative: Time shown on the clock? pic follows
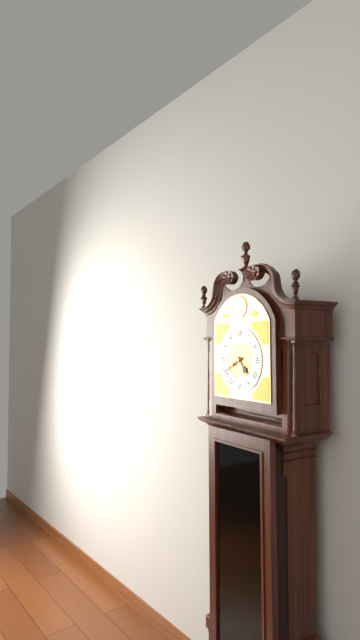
4:40
